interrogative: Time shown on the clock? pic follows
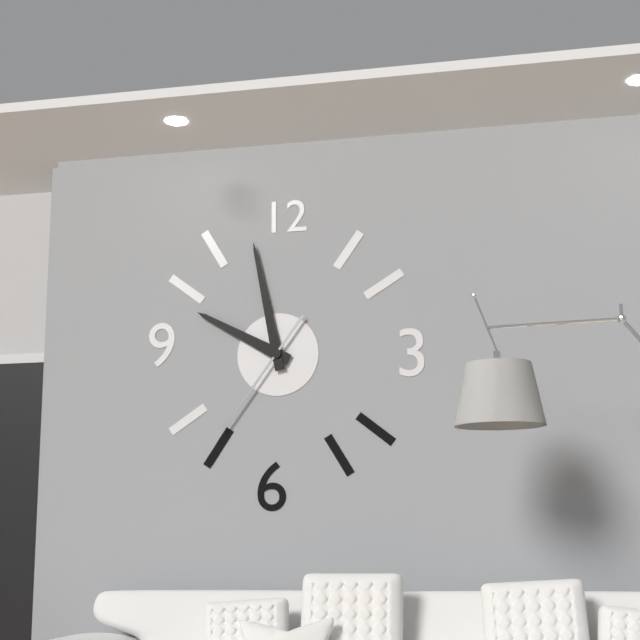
9:58:36
